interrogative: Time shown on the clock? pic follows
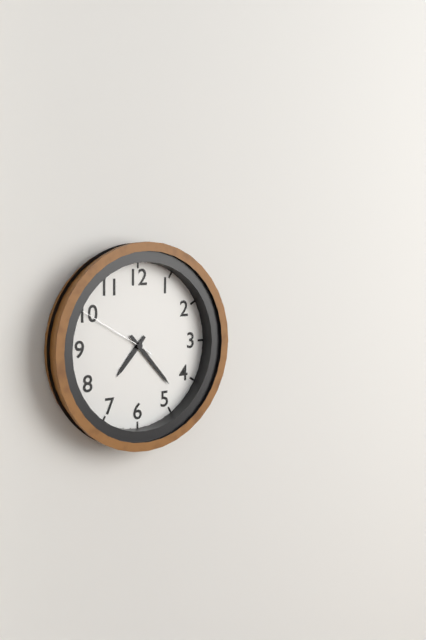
7:23:50
